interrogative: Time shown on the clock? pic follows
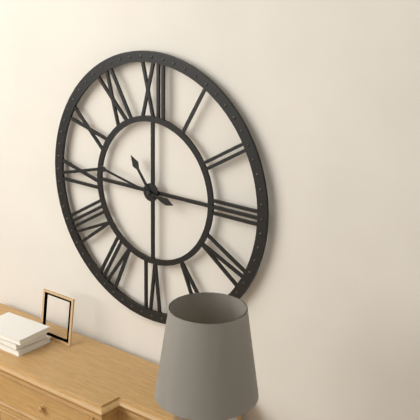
10:47
